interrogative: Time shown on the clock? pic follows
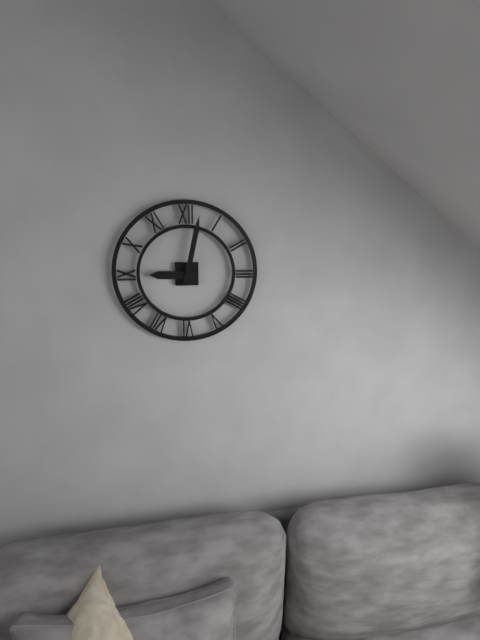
9:02
